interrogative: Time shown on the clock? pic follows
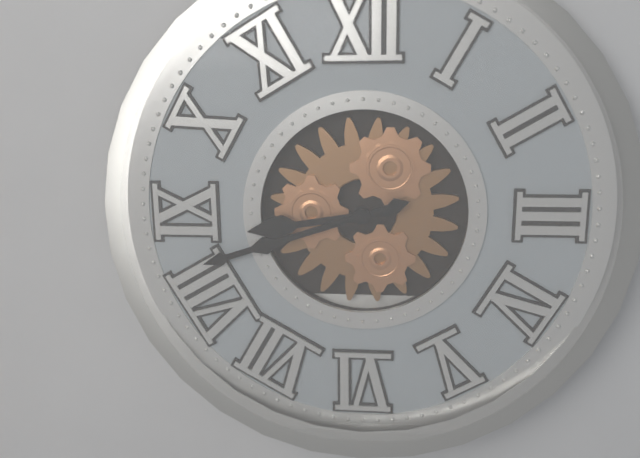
8:42
